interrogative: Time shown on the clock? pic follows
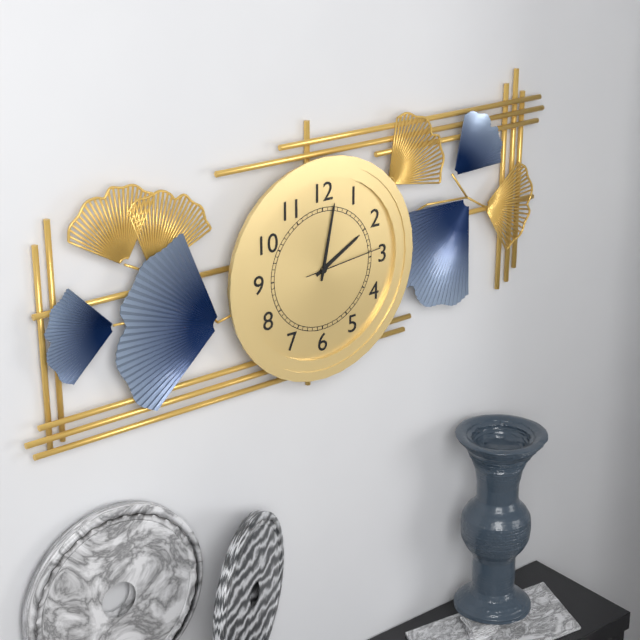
2:02:14
